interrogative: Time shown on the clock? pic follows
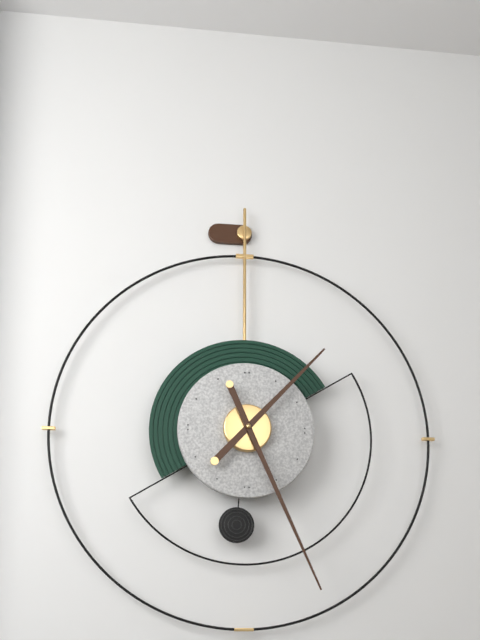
1:26
